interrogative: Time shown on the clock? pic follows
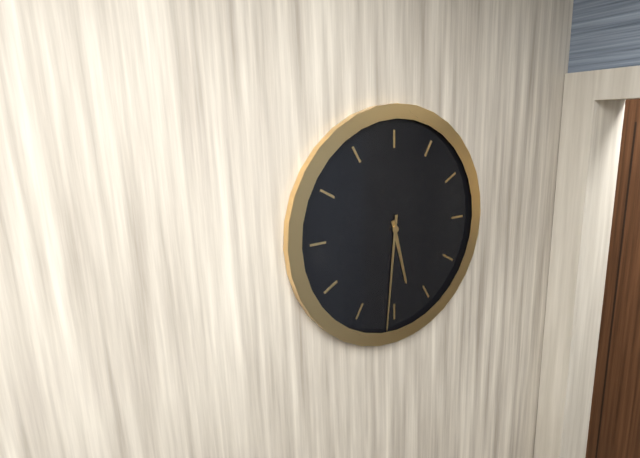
5:31
